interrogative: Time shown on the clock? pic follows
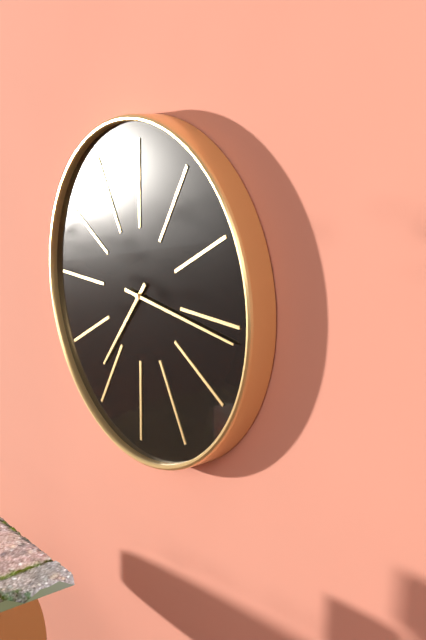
7:16
